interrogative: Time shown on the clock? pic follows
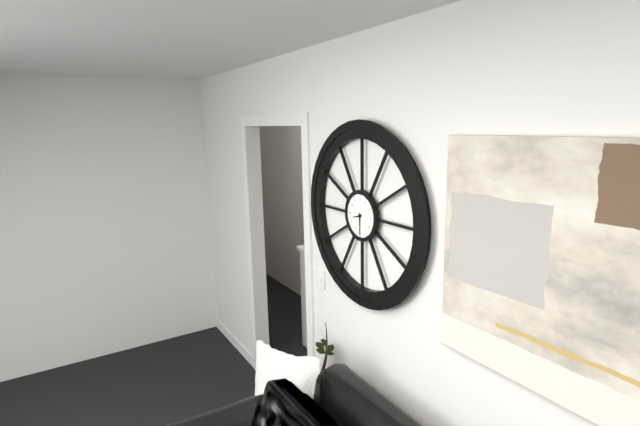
8:30
